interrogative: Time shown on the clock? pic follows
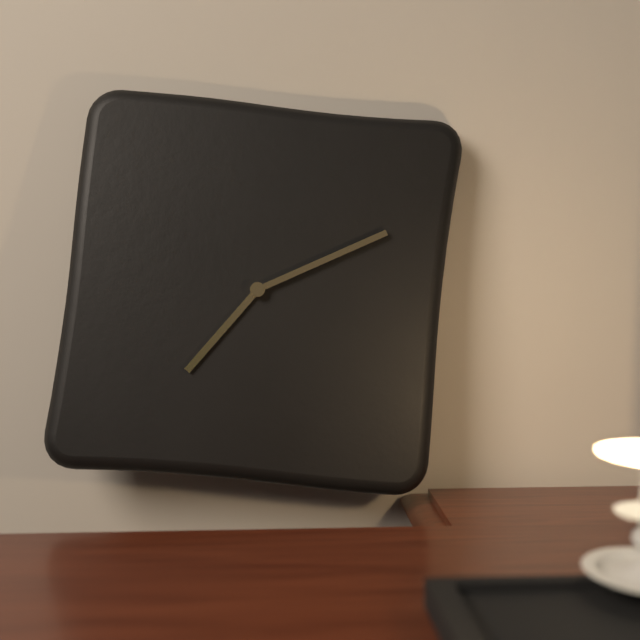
7:10
